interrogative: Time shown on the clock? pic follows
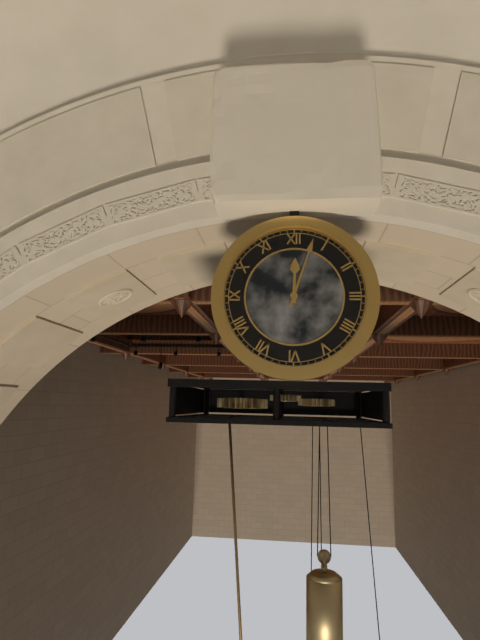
12:03
